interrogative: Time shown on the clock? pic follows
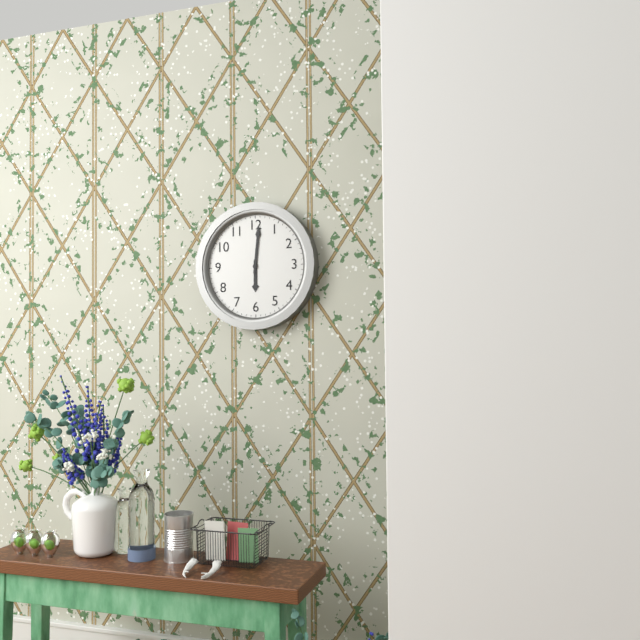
6:01
